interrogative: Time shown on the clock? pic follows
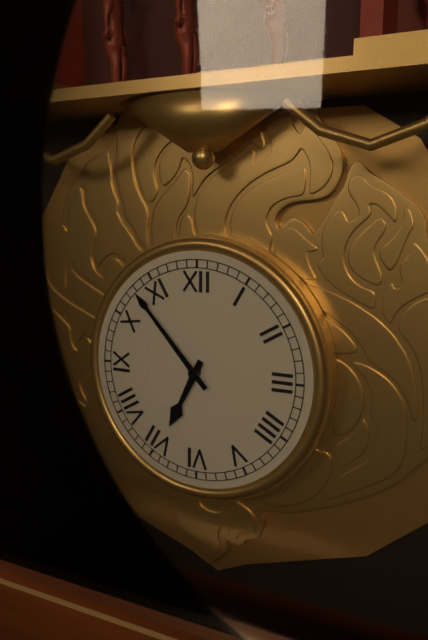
6:53
